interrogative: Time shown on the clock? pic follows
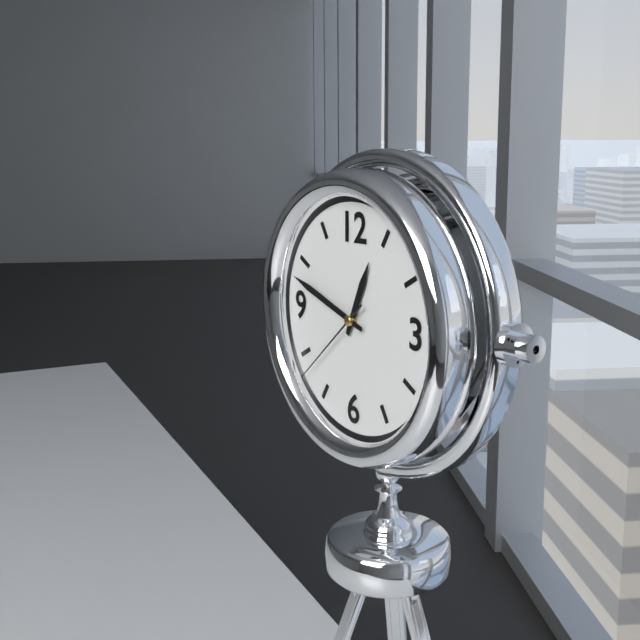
12:48:38
